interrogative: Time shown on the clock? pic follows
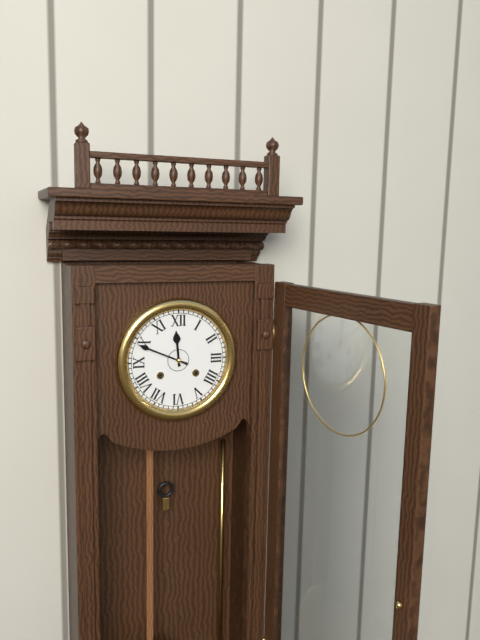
11:49
